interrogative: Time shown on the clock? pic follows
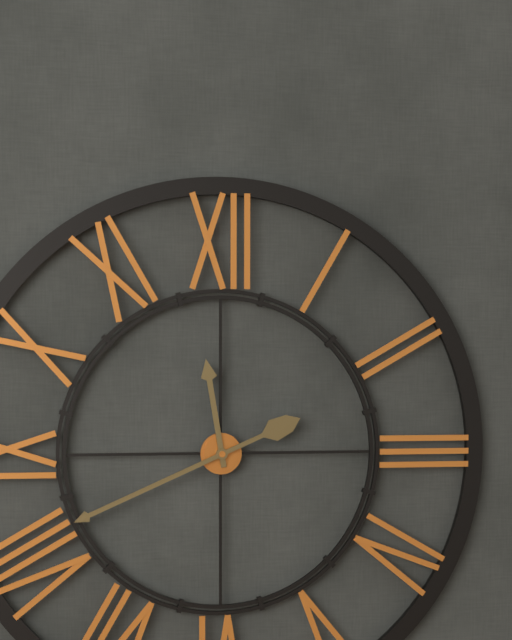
11:41
